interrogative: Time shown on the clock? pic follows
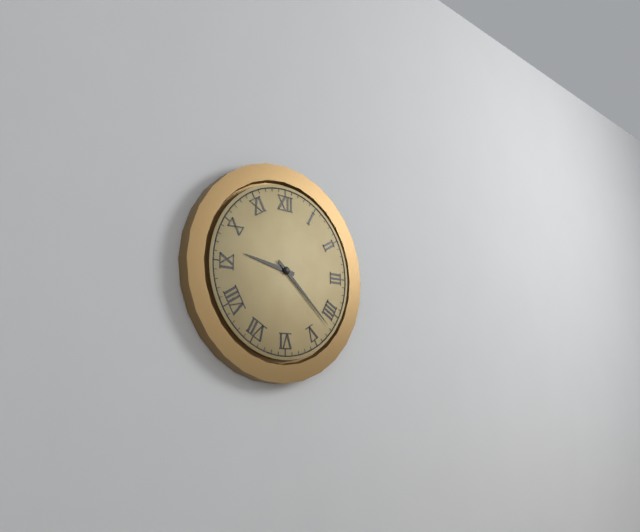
9:22
